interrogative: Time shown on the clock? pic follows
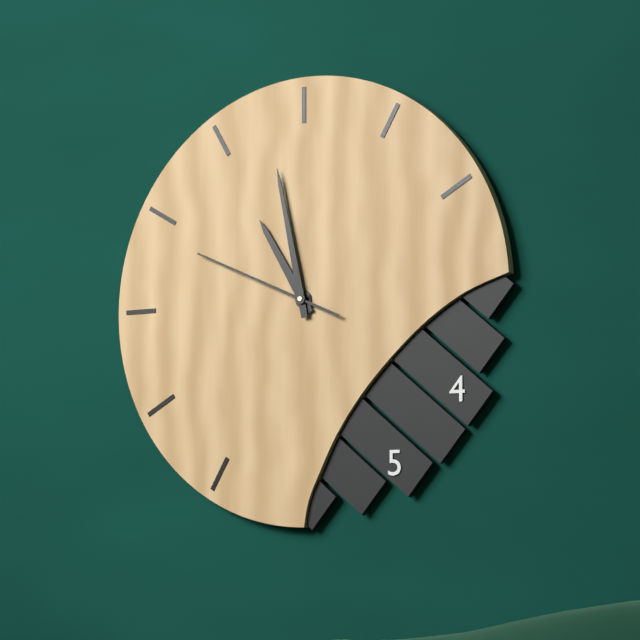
10:58:49
